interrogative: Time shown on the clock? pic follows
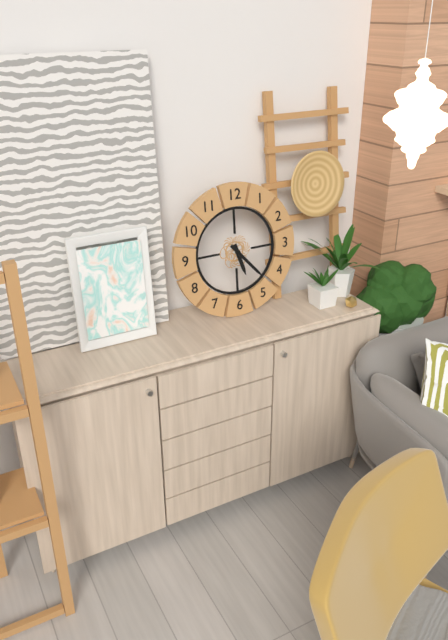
5:23
